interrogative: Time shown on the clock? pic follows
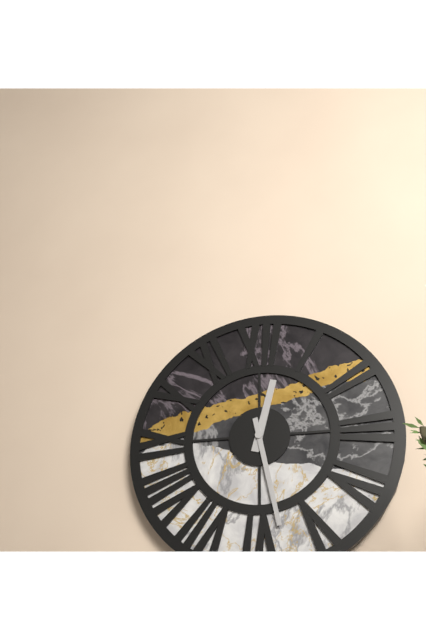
12:28
